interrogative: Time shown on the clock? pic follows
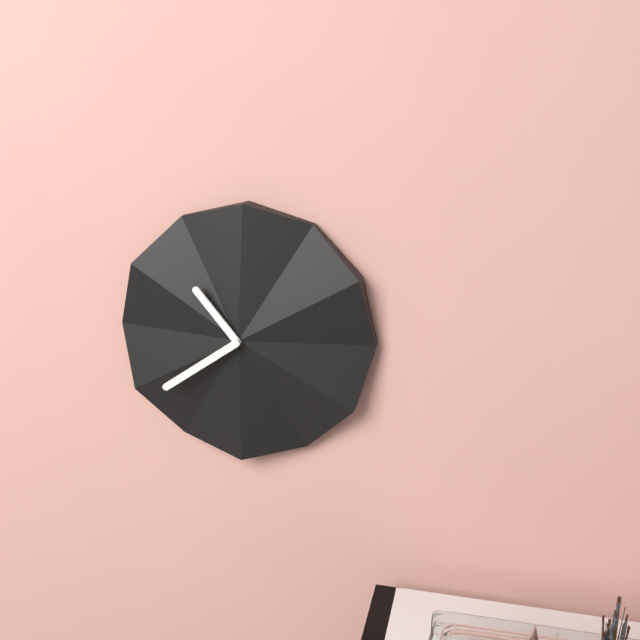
10:39
